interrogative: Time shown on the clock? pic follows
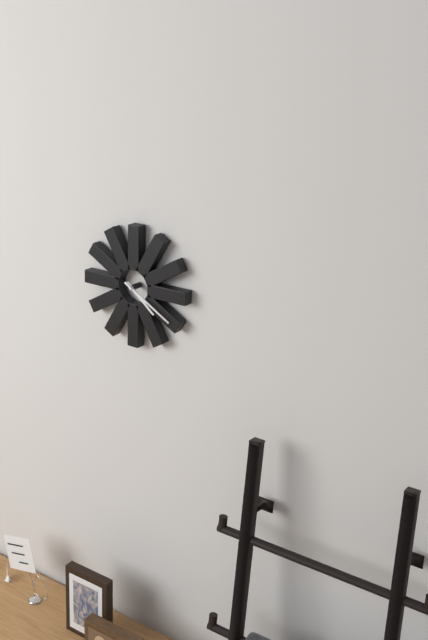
4:20
